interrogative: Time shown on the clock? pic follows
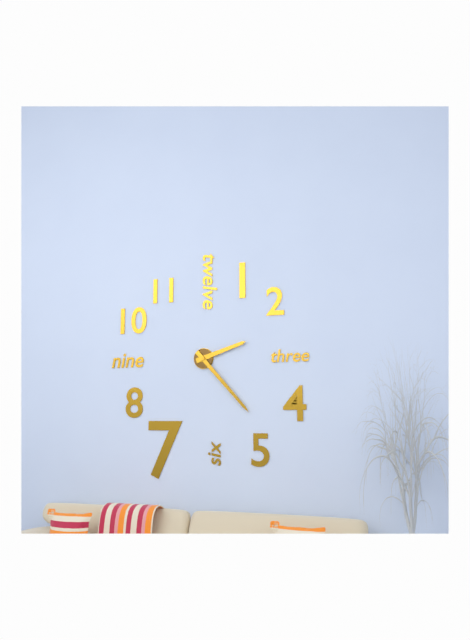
2:23
